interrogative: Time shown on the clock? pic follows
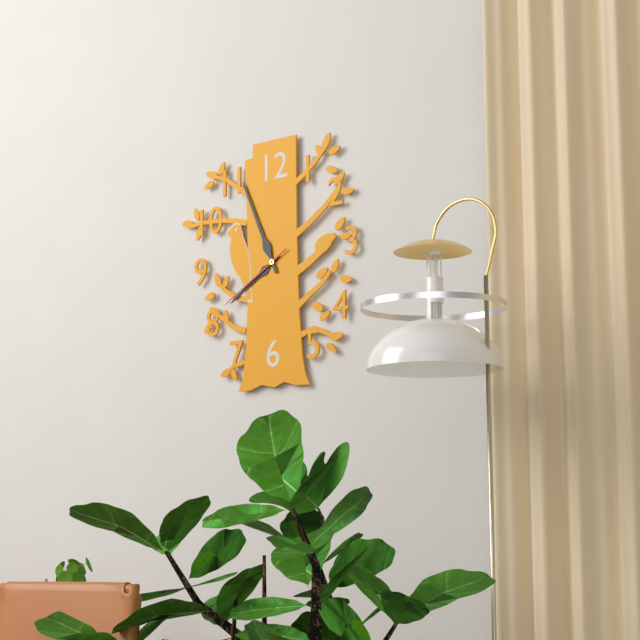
7:56:40
